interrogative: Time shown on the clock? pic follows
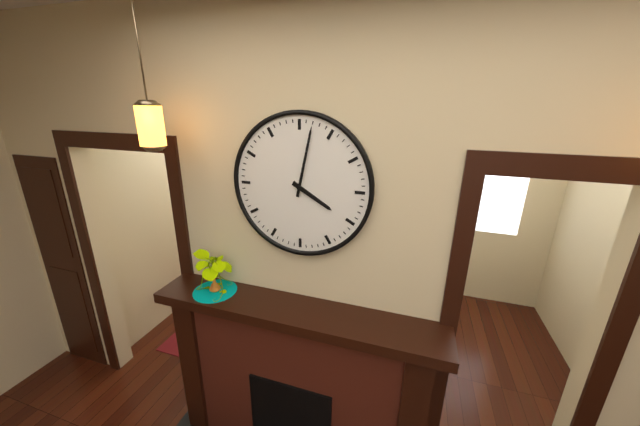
4:02
